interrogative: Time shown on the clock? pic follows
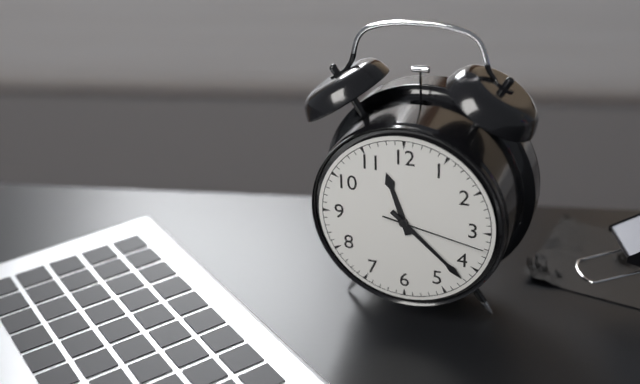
11:22:17
